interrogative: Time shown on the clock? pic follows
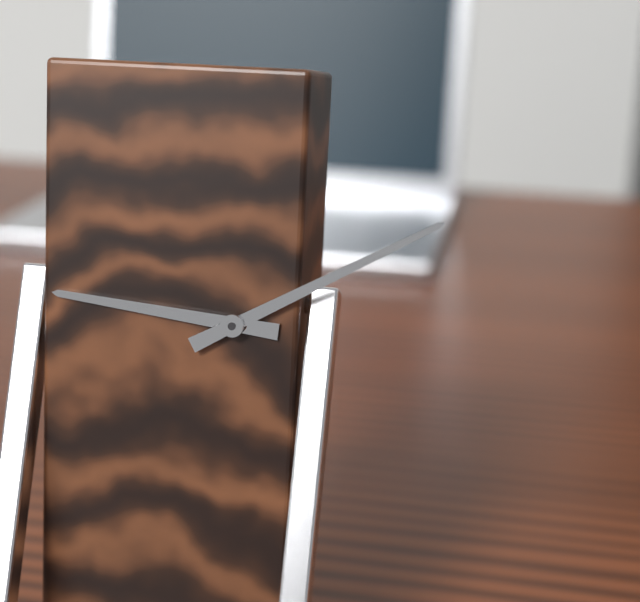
9:10
